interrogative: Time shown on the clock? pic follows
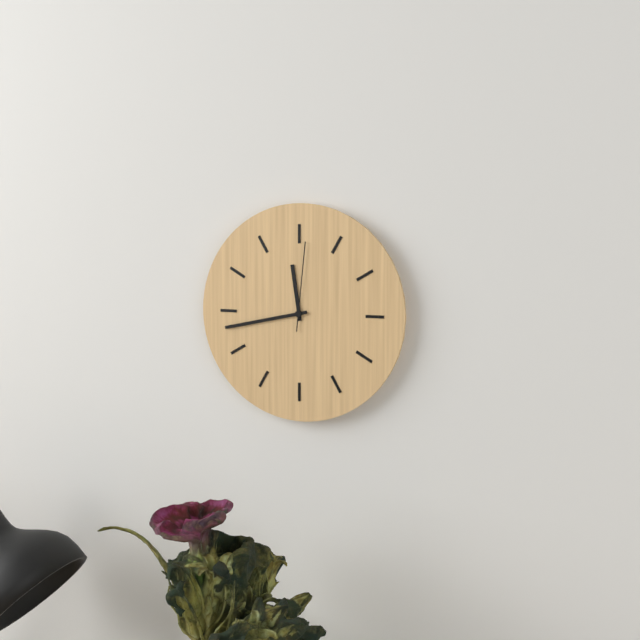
11:43:01
